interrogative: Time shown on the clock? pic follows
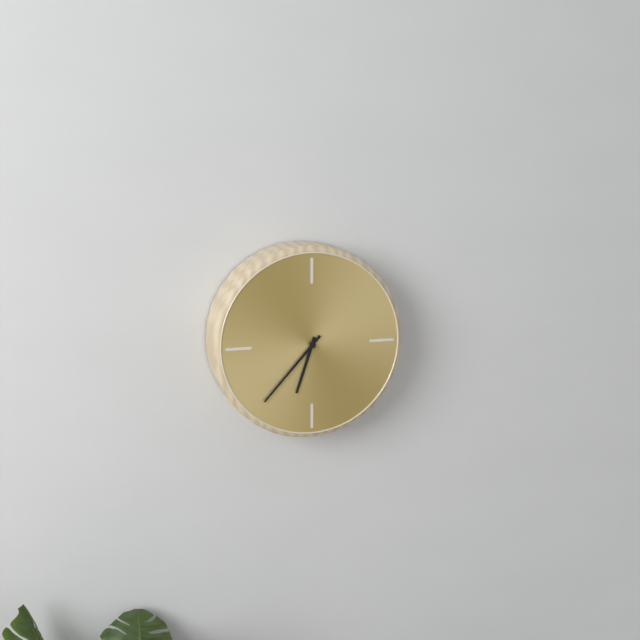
6:37
